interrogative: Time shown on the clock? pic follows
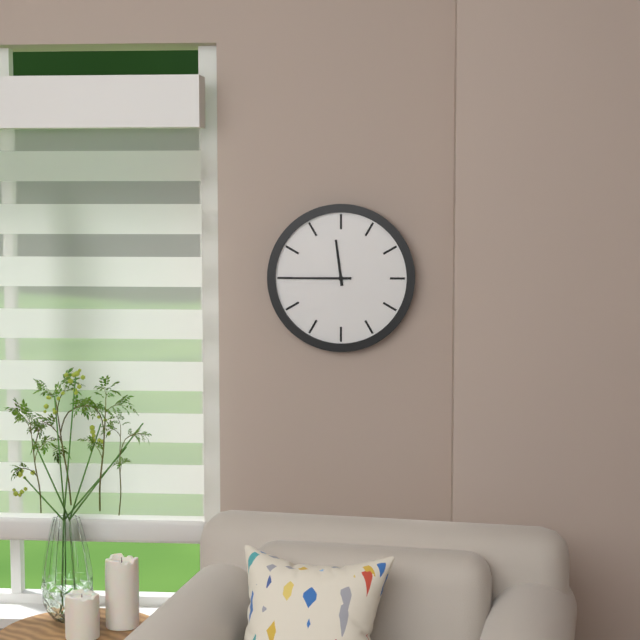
11:45
